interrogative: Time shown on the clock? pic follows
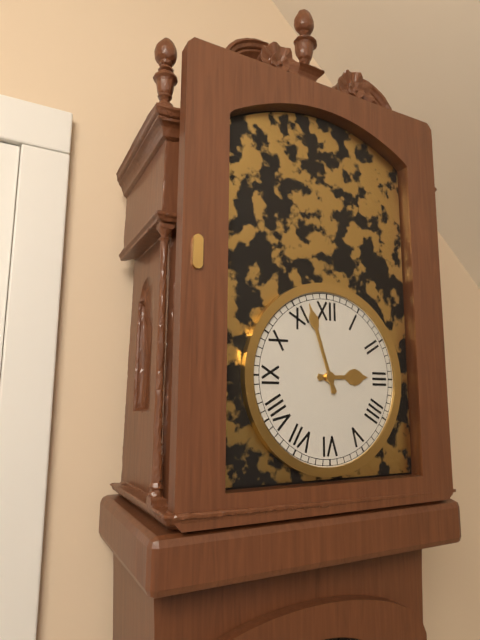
2:57
